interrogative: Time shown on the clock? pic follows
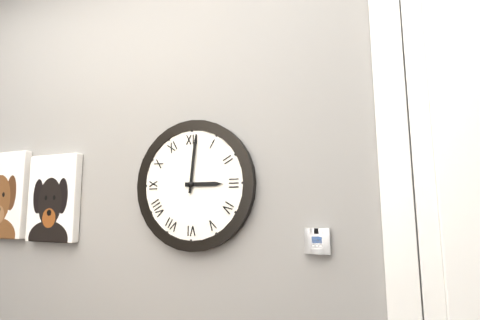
3:01
